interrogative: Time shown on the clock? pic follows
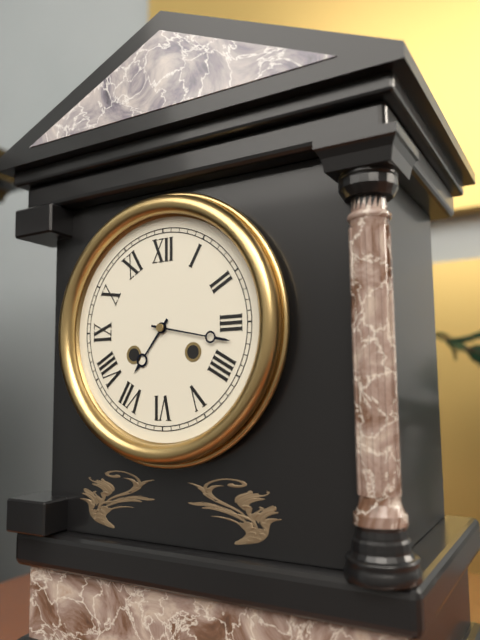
7:17
